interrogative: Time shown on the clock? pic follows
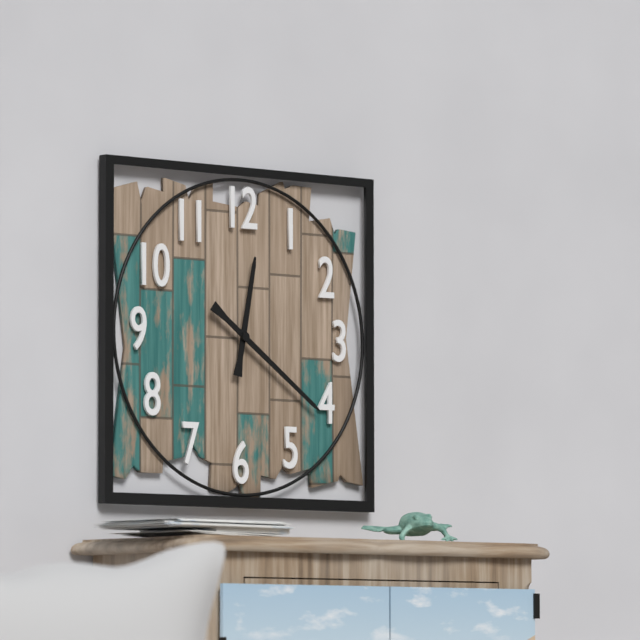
12:21
